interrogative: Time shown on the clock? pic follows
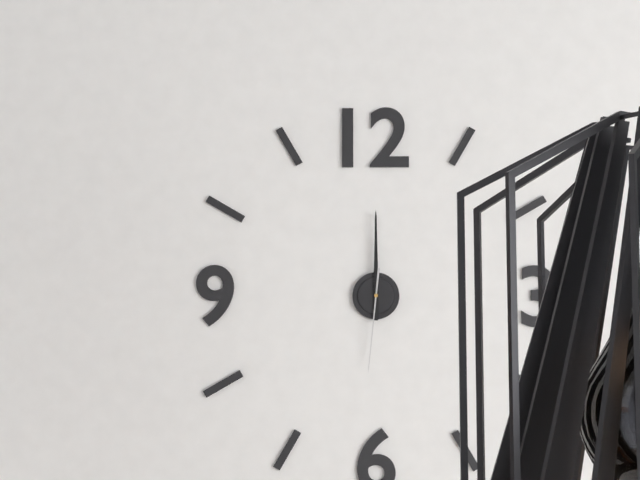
12:00:31
